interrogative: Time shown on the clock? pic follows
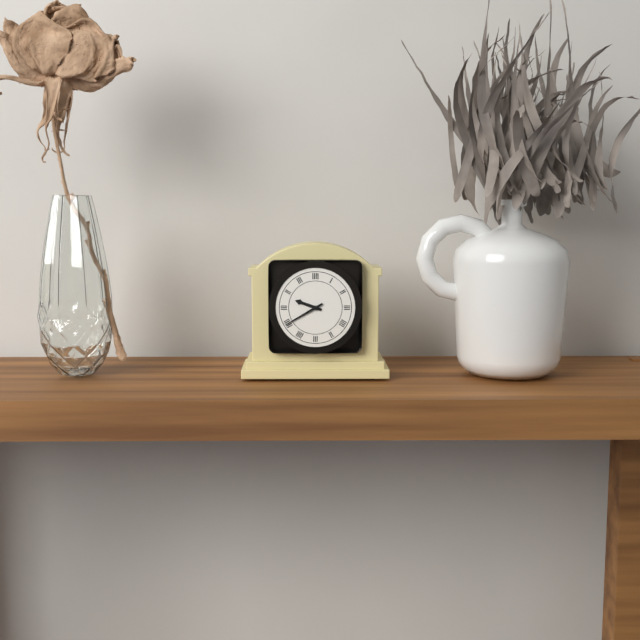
9:40
